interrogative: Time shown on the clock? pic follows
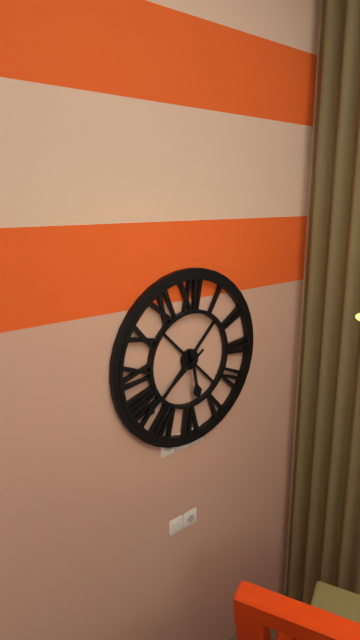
5:39
